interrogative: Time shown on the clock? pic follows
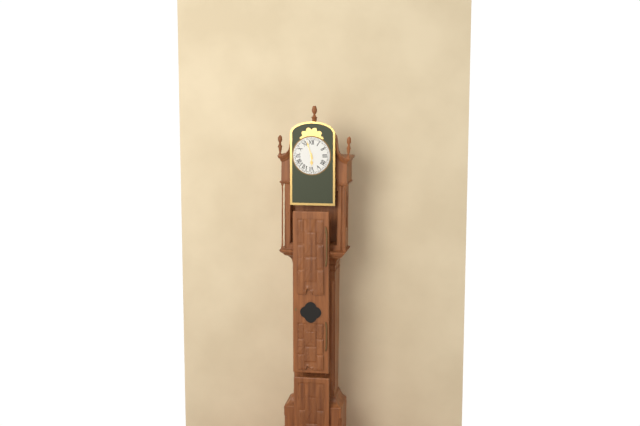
5:57
